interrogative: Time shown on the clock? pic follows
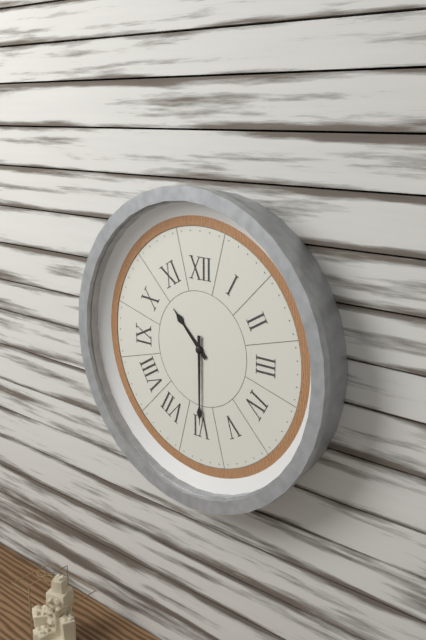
10:30
